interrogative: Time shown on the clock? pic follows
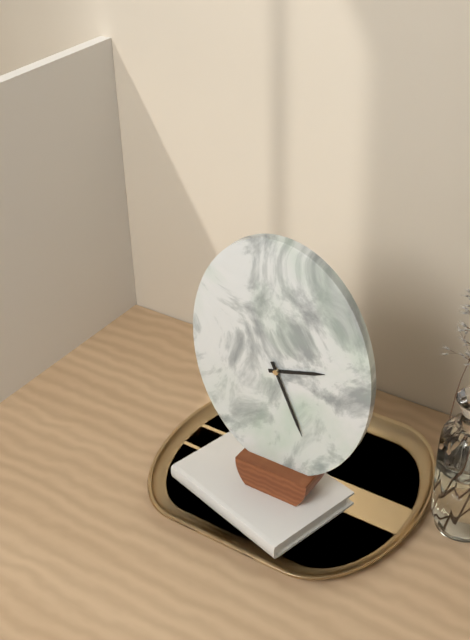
2:26
